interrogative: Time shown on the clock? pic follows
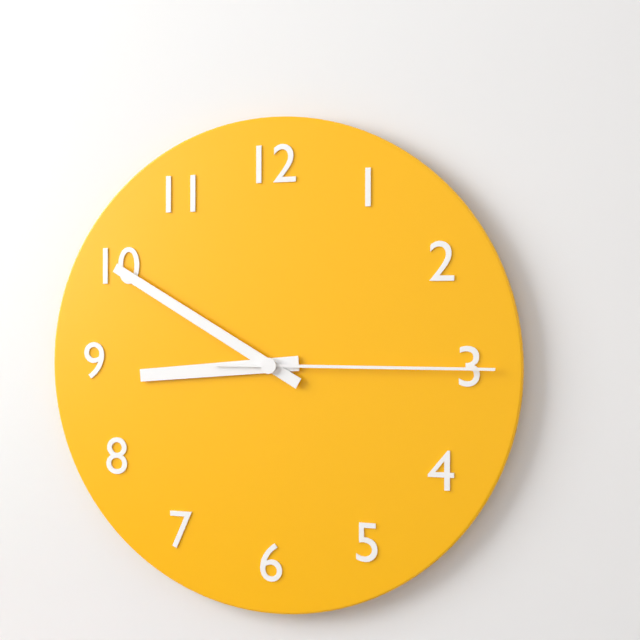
8:50:15
